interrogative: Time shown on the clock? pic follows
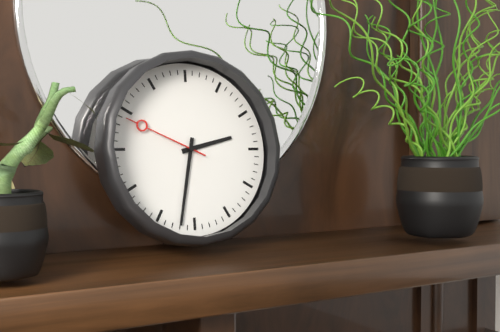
2:32:49
